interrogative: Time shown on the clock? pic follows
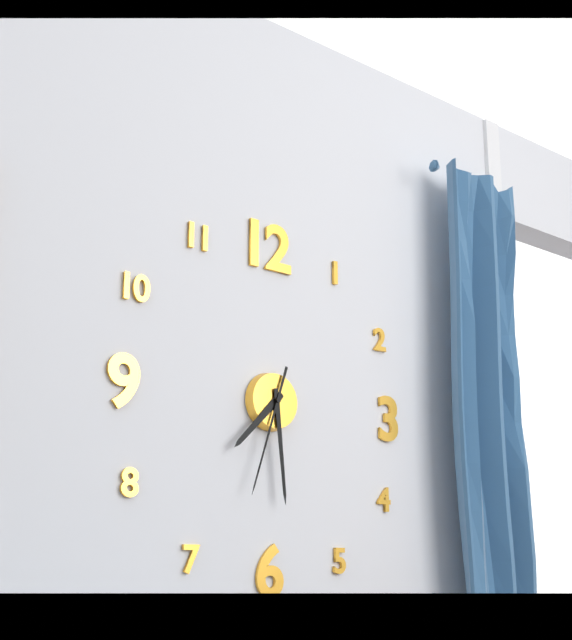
7:29:33
